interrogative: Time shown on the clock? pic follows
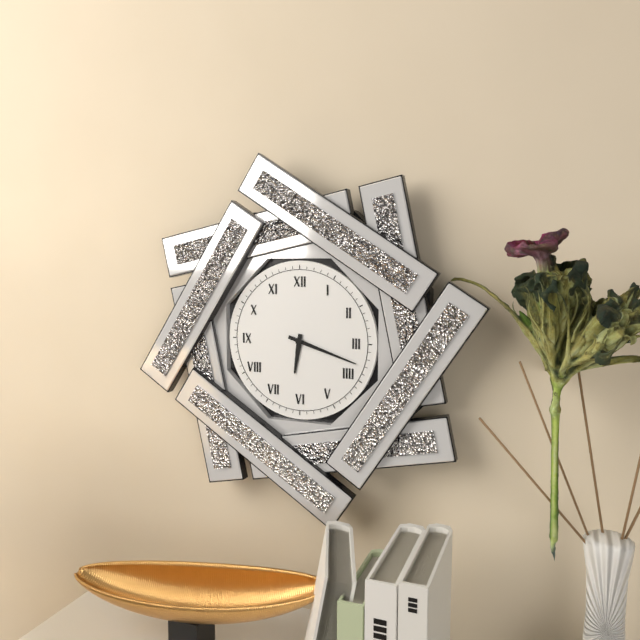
6:18
